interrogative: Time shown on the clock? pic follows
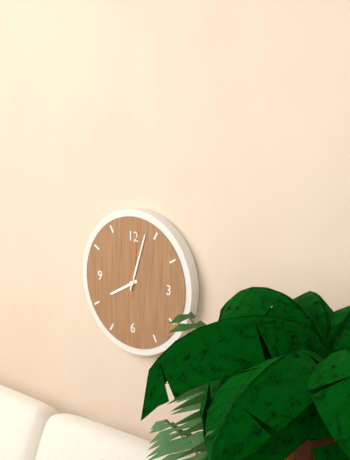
8:03:01
